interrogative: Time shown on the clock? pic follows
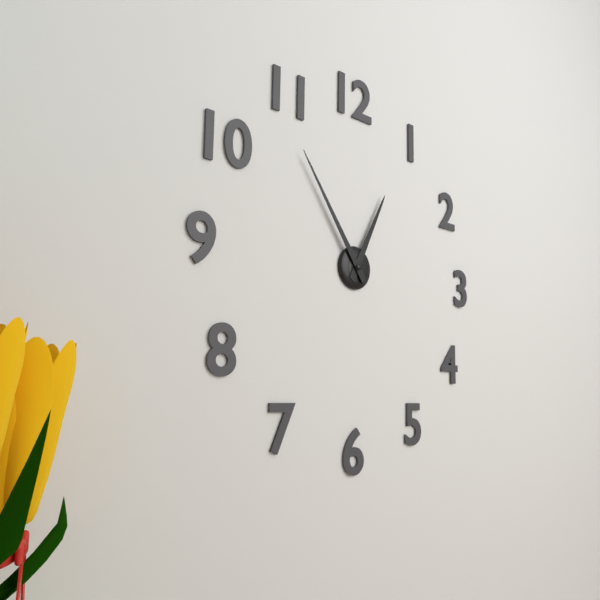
12:54
